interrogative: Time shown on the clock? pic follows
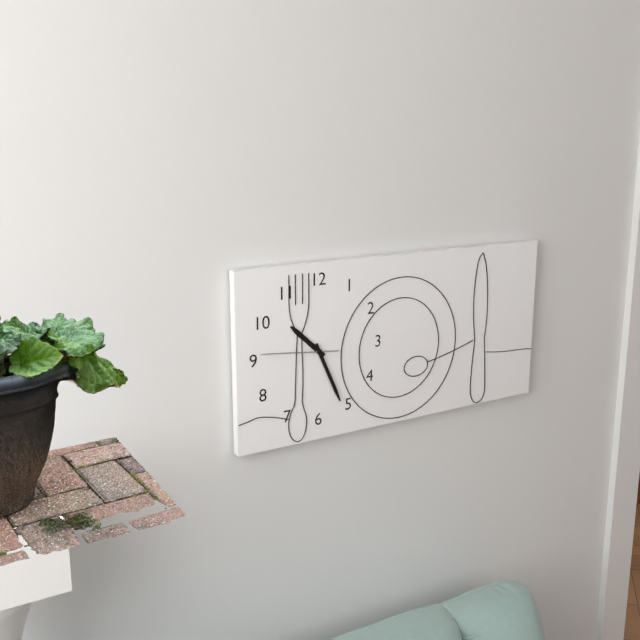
10:26:46
